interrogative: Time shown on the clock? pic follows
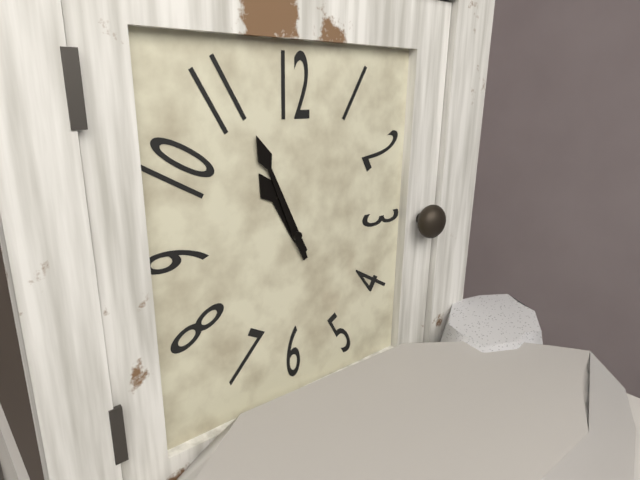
10:56
